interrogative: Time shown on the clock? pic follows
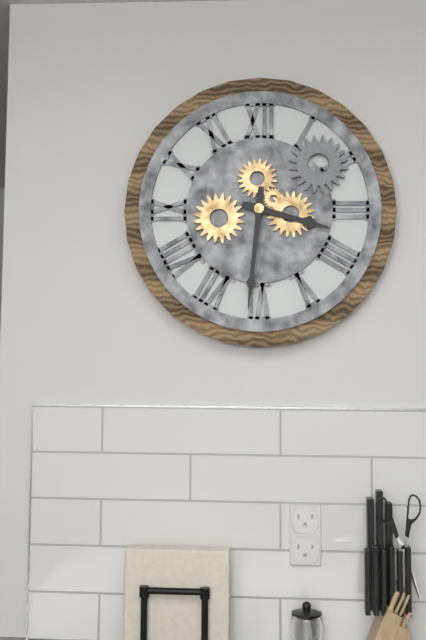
3:31
